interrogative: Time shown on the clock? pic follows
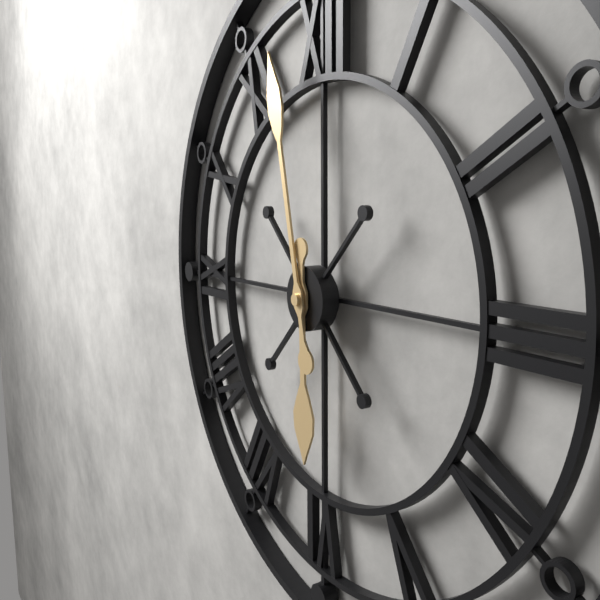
5:58
